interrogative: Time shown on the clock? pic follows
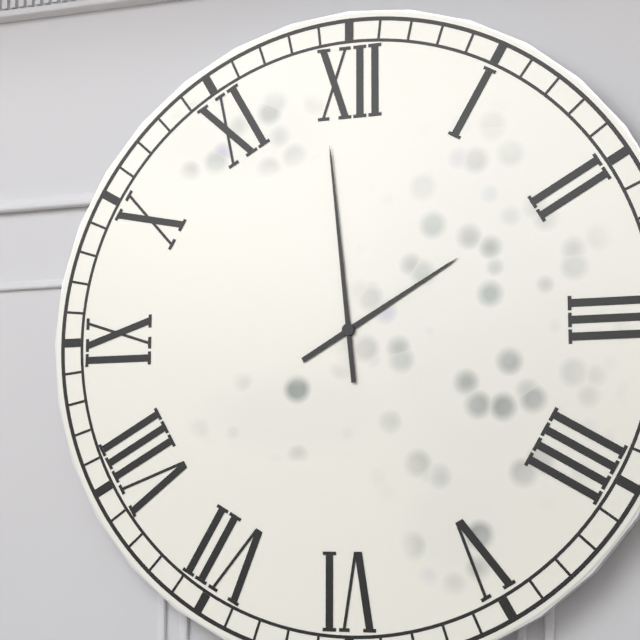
1:59
